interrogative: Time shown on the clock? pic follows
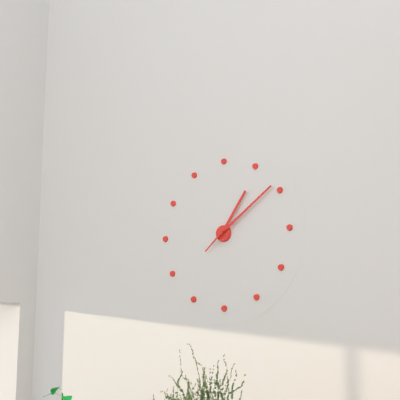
1:09
